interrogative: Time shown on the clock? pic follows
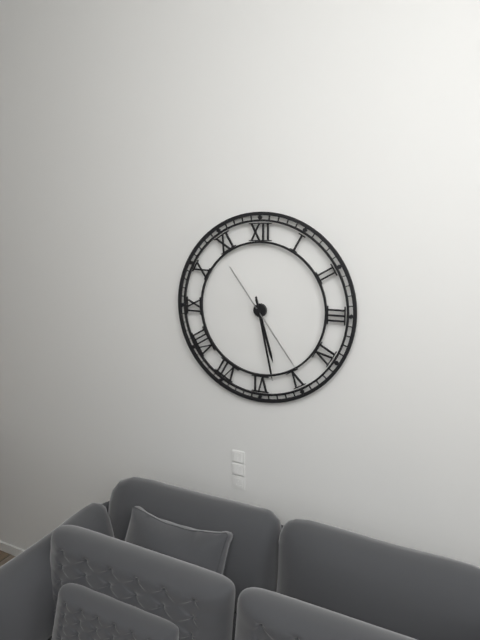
5:28:24
